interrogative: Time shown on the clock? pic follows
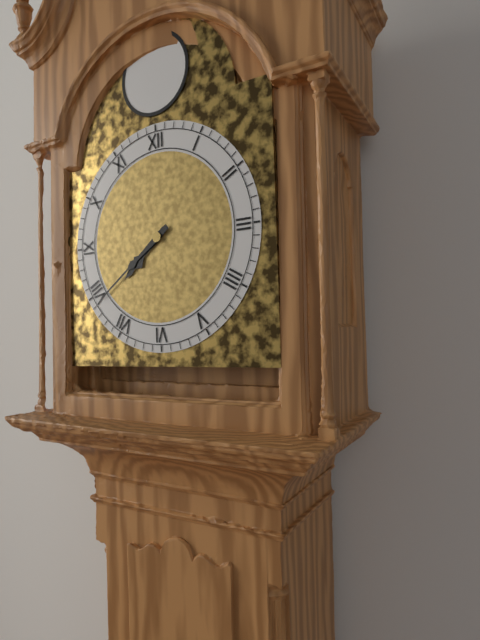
7:39
